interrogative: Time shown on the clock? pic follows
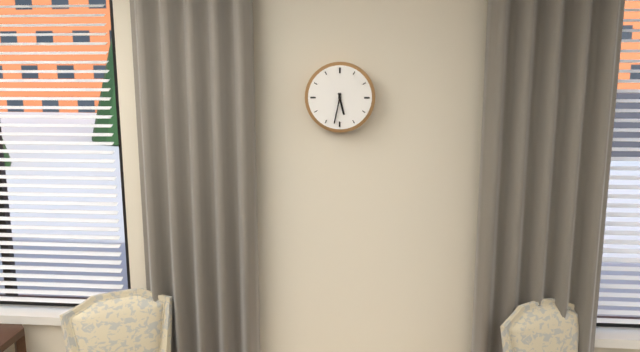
5:32
